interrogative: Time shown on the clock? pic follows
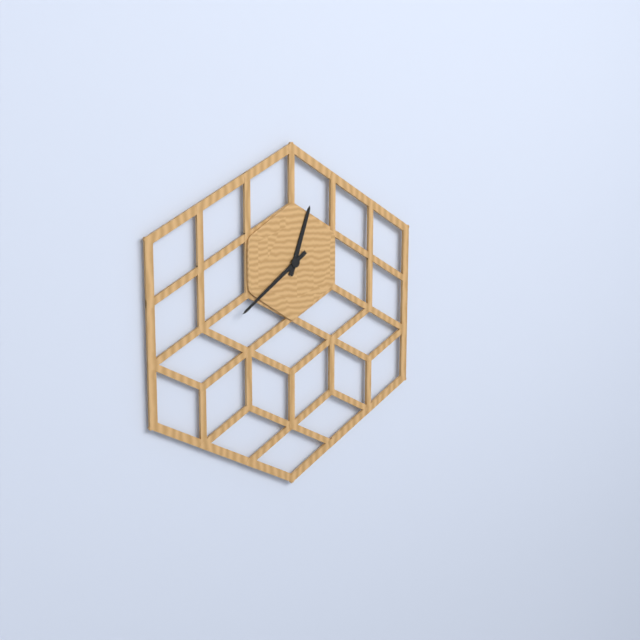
12:39
